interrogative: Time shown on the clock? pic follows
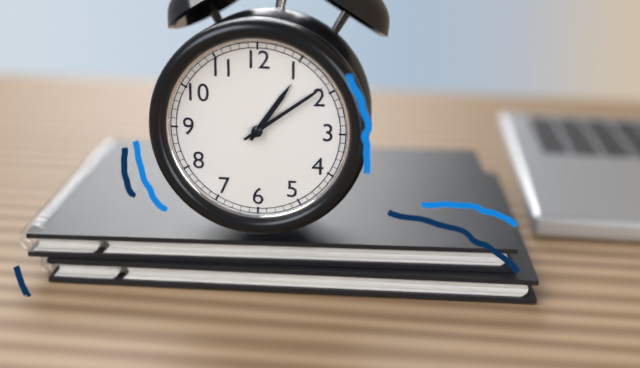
1:09
